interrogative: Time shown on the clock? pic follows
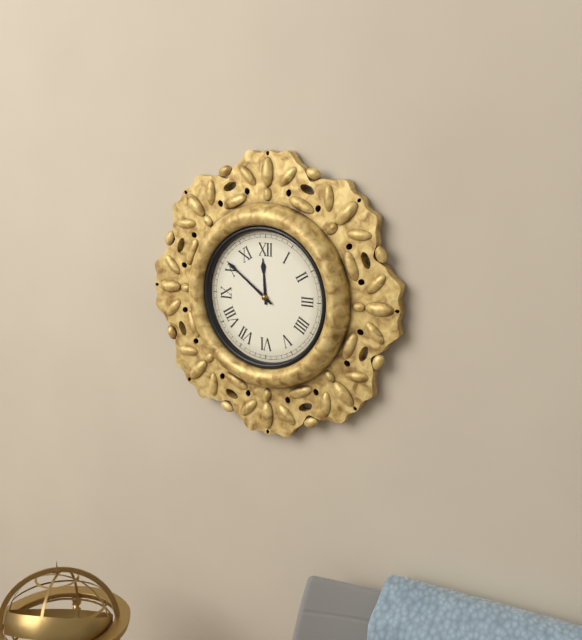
11:51
